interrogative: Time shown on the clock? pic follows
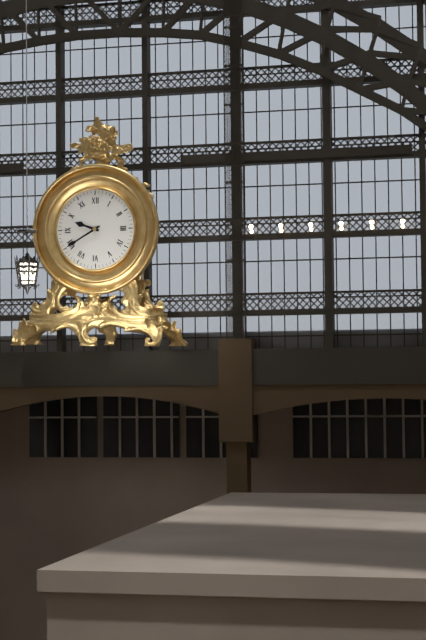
9:40
